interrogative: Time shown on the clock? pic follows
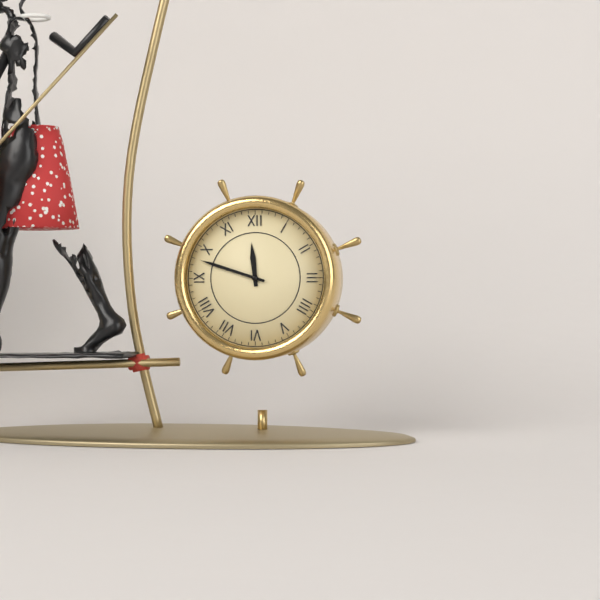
11:48
